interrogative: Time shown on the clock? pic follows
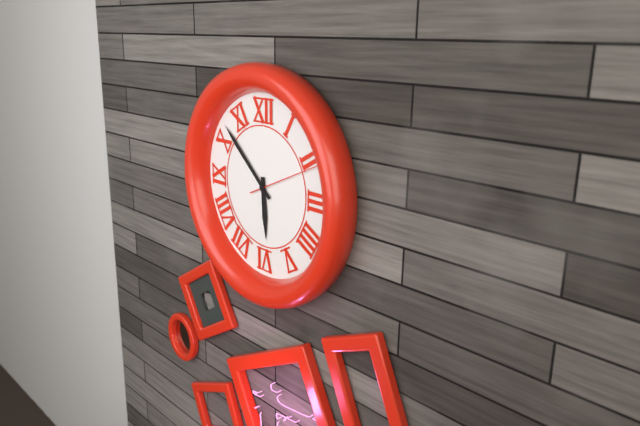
5:52:11
